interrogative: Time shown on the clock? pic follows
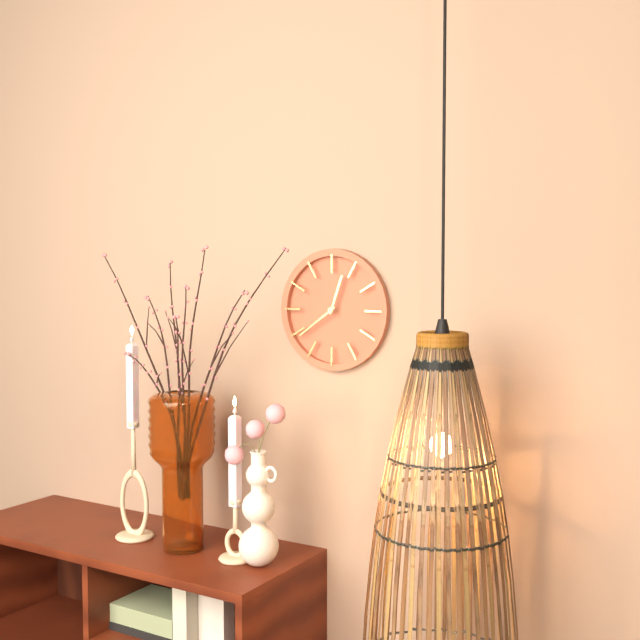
12:39
